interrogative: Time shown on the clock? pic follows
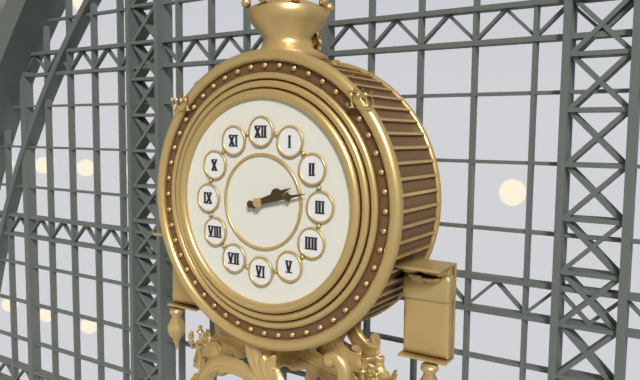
2:13
